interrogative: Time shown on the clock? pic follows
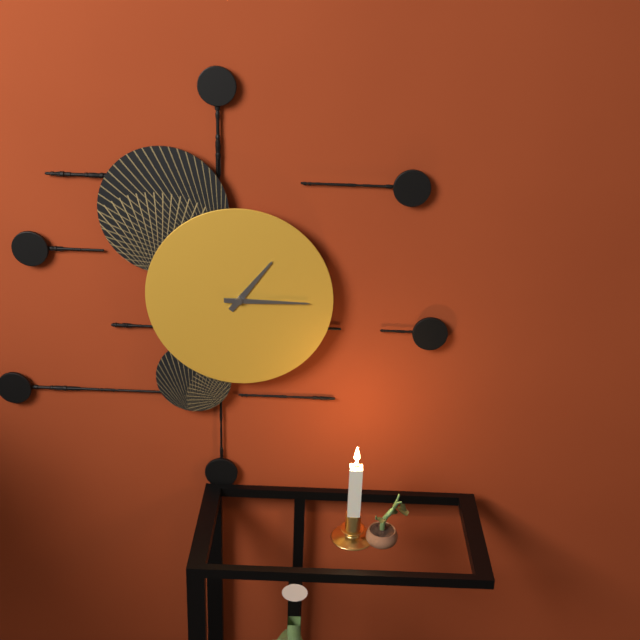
1:15
